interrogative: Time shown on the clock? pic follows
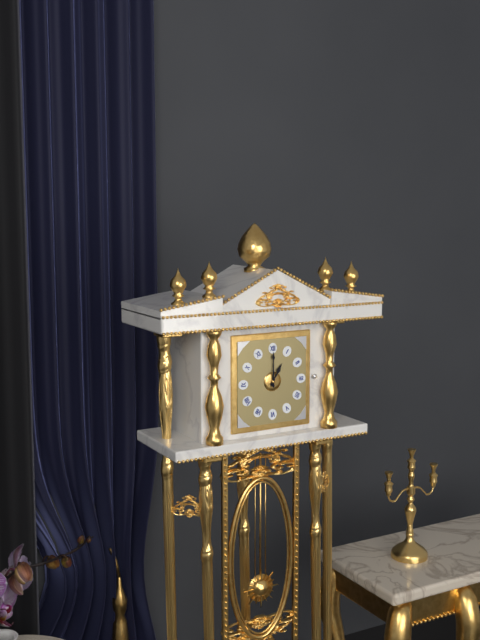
1:00
